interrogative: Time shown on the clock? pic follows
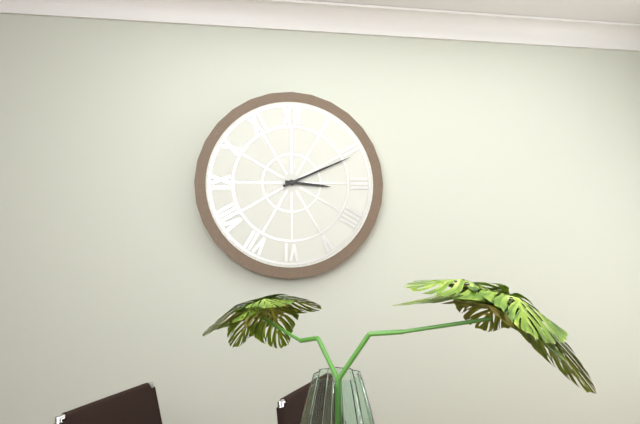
3:11
